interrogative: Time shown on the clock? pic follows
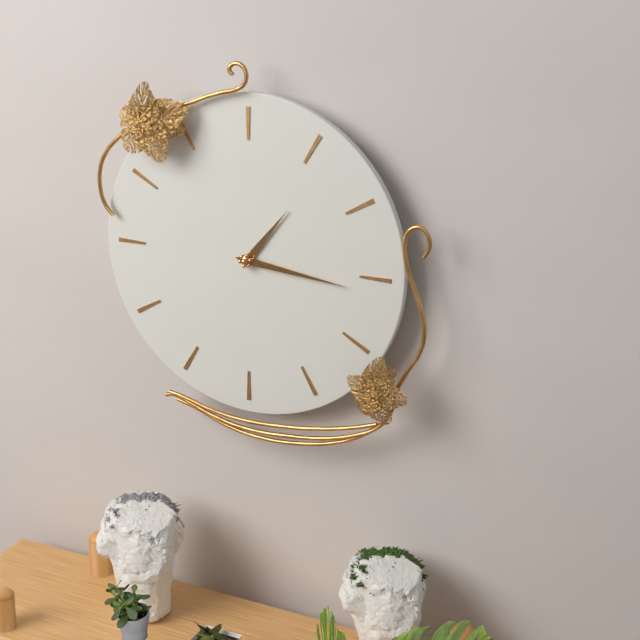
1:16
